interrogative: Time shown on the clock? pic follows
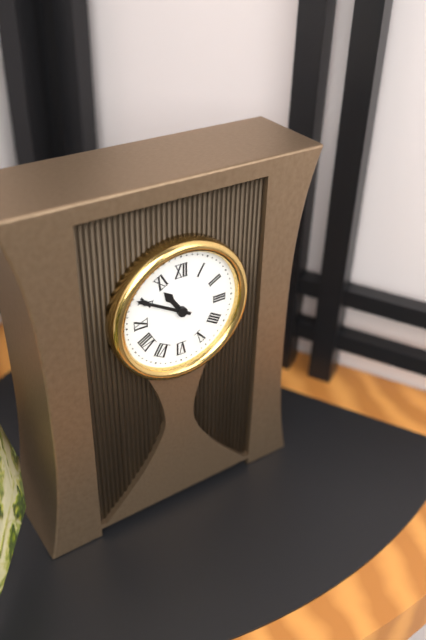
10:50
